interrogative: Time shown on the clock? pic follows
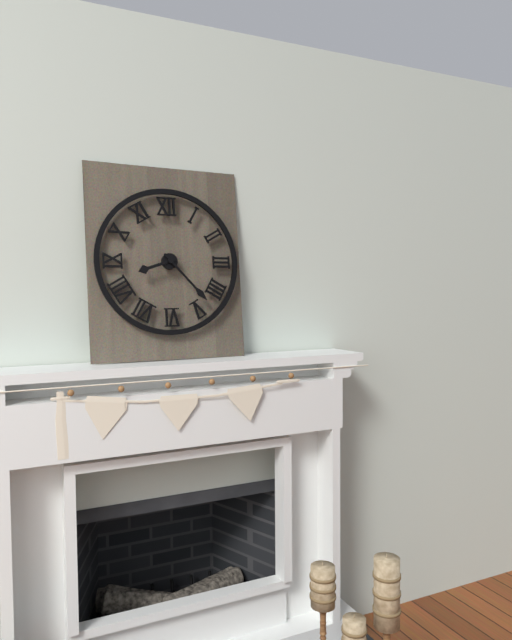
8:23
